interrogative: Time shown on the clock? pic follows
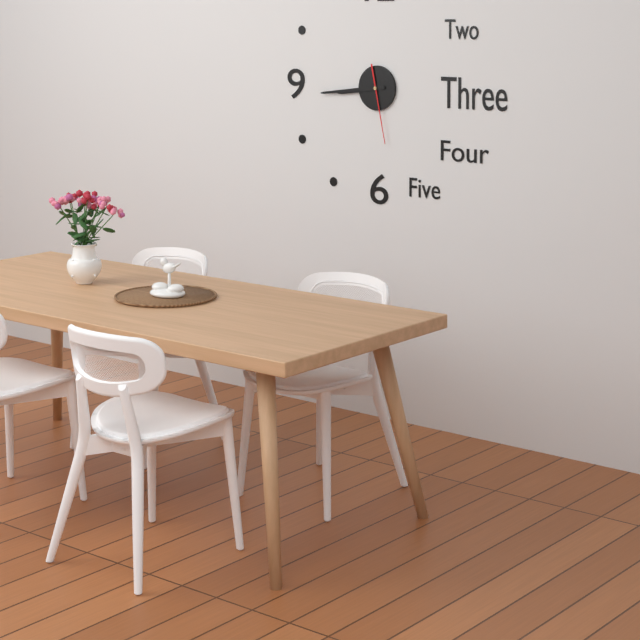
8:44:28
